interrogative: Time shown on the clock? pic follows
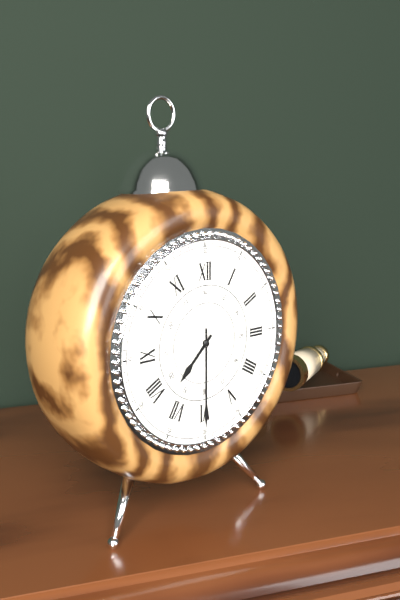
7:30
